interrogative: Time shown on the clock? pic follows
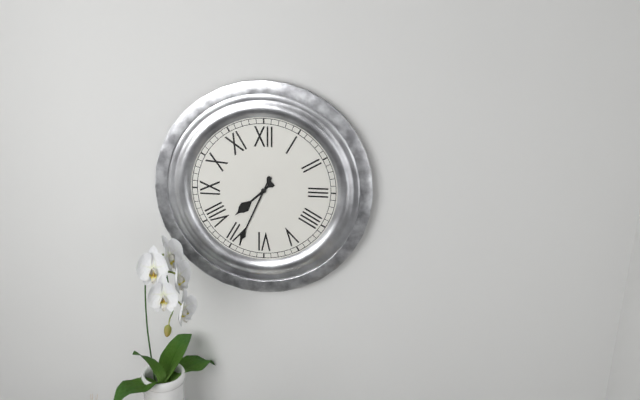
7:34
